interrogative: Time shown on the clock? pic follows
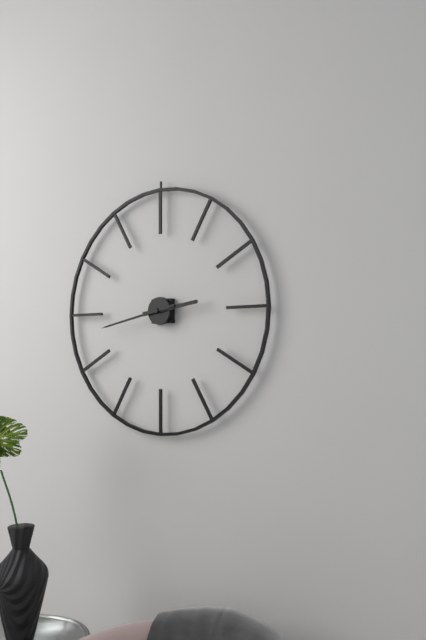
2:43
